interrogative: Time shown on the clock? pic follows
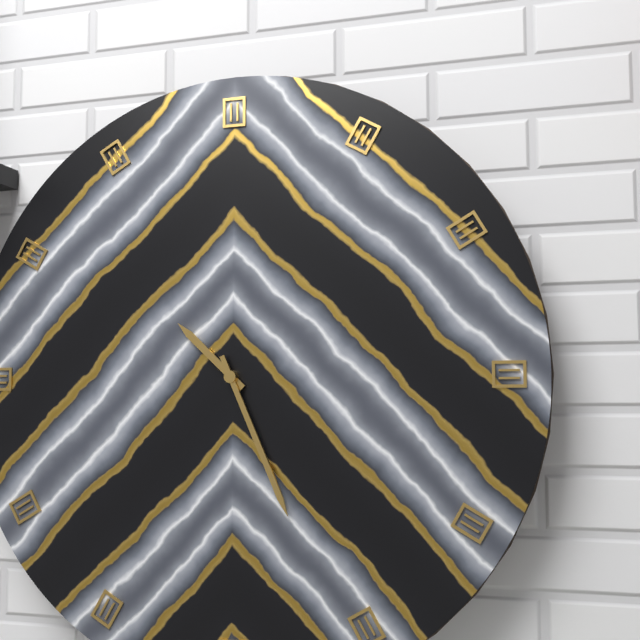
10:26
